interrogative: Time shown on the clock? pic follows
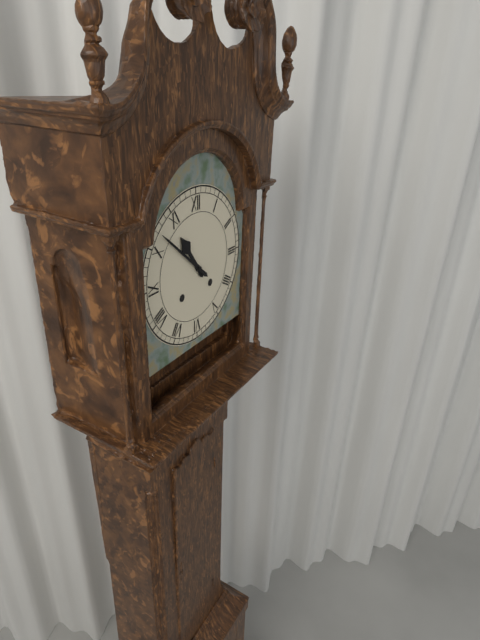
10:52
